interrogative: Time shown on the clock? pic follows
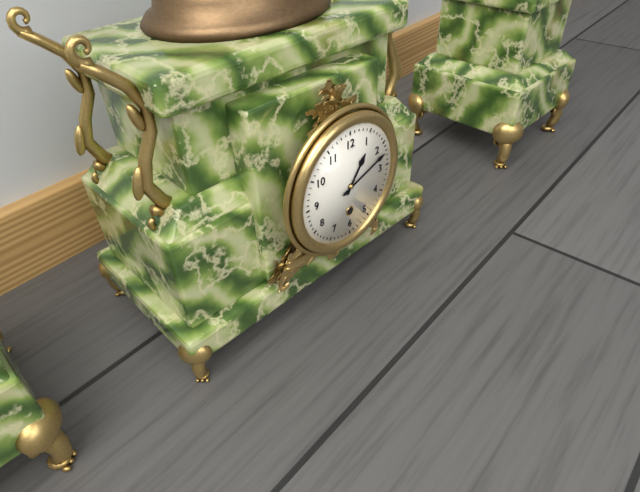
1:12
